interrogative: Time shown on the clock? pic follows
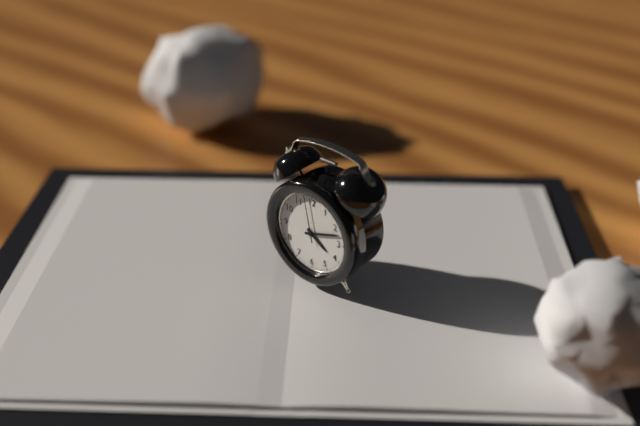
4:12
